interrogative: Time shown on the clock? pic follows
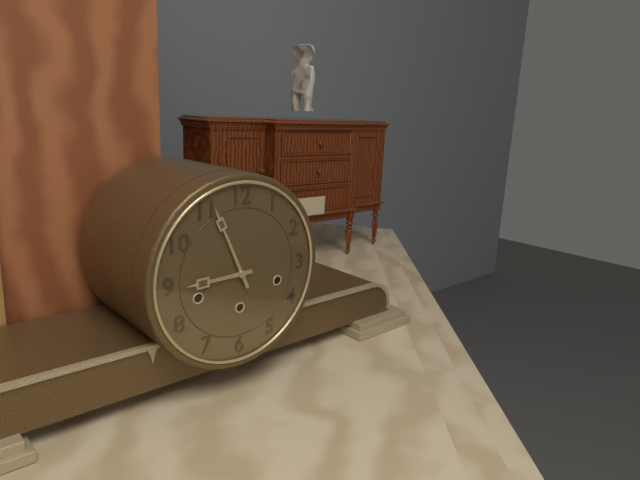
8:56
